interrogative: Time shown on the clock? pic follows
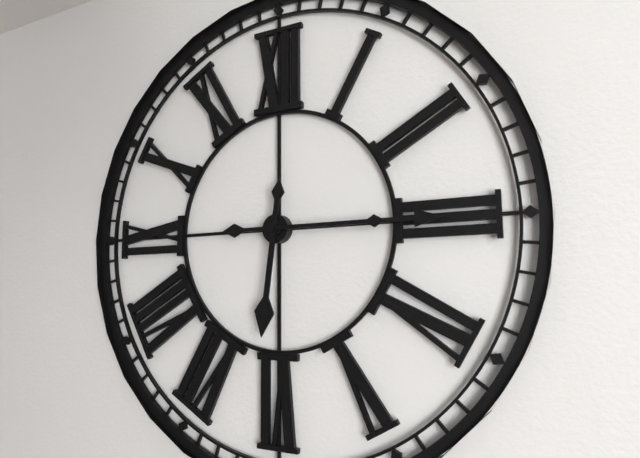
6:15
